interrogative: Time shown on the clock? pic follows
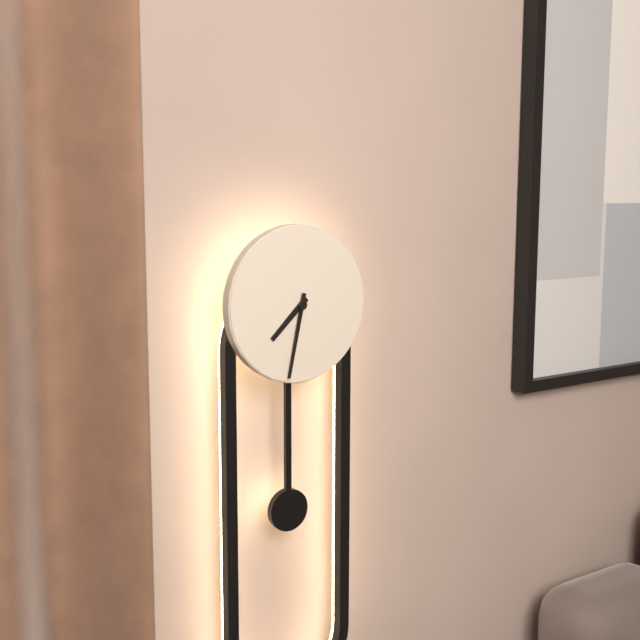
7:32
